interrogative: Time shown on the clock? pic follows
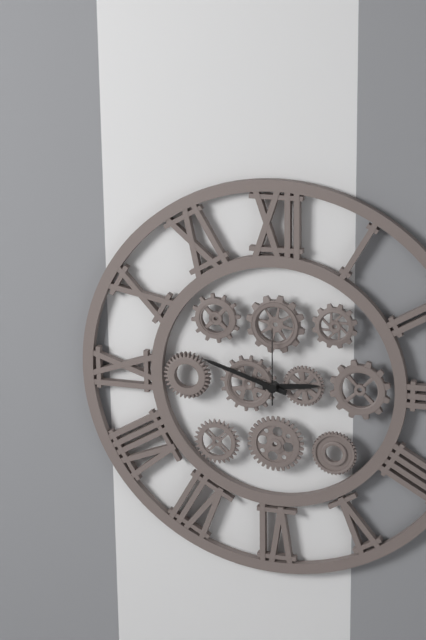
2:48:00
